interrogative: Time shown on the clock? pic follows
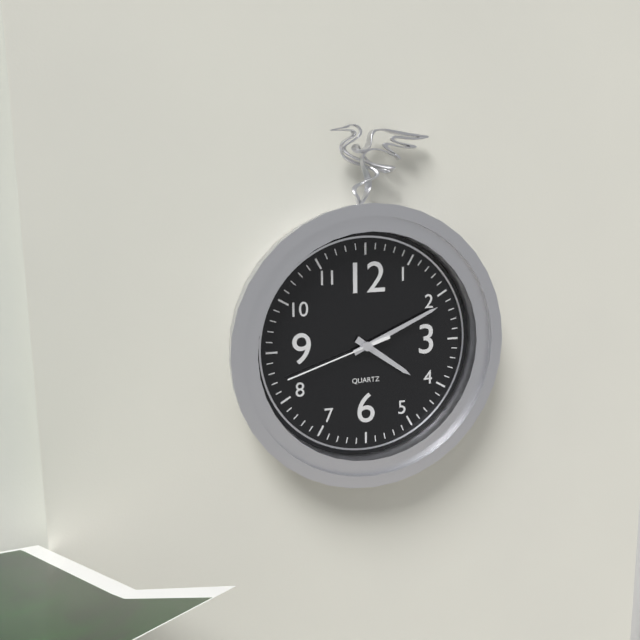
4:11:42
